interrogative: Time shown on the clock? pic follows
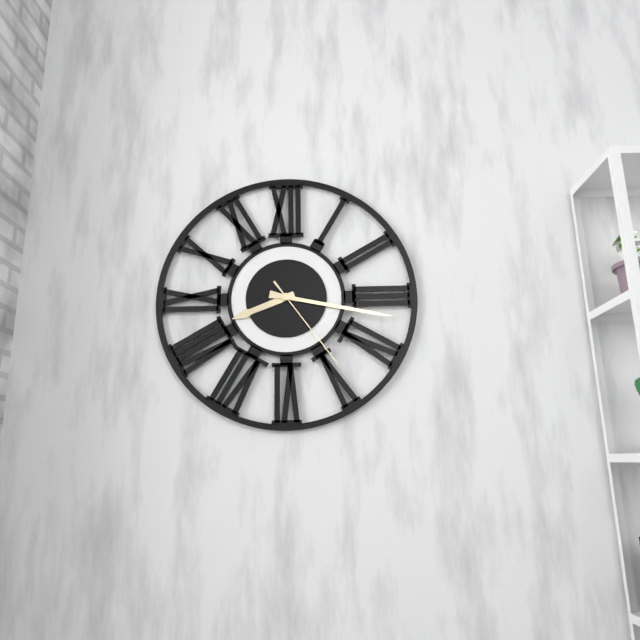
8:17:24
